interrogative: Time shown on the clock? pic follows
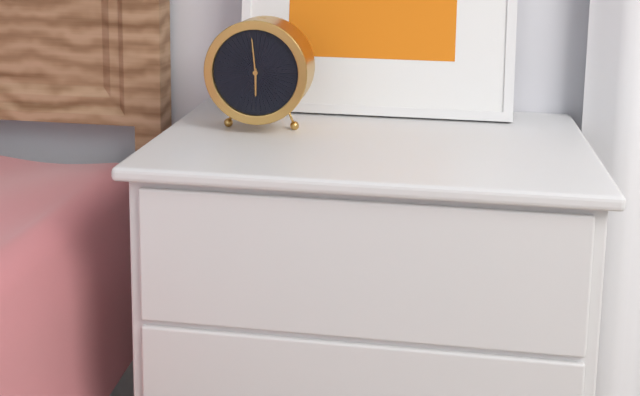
5:59
